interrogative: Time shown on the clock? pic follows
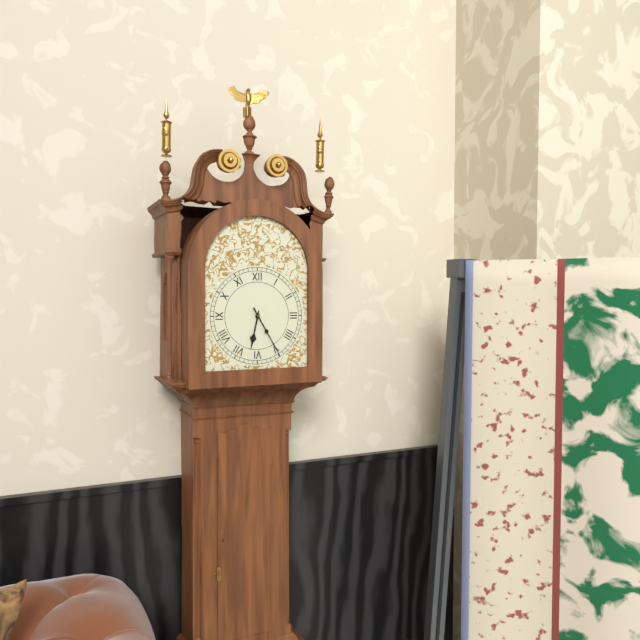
6:25
